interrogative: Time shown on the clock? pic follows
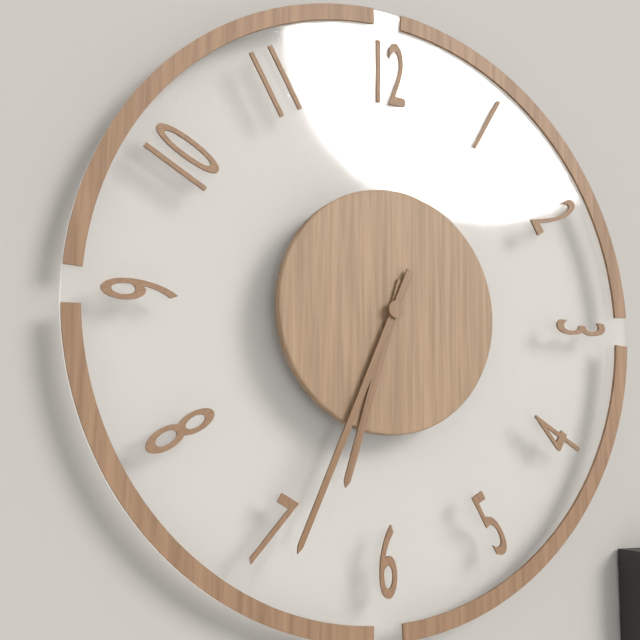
6:34
